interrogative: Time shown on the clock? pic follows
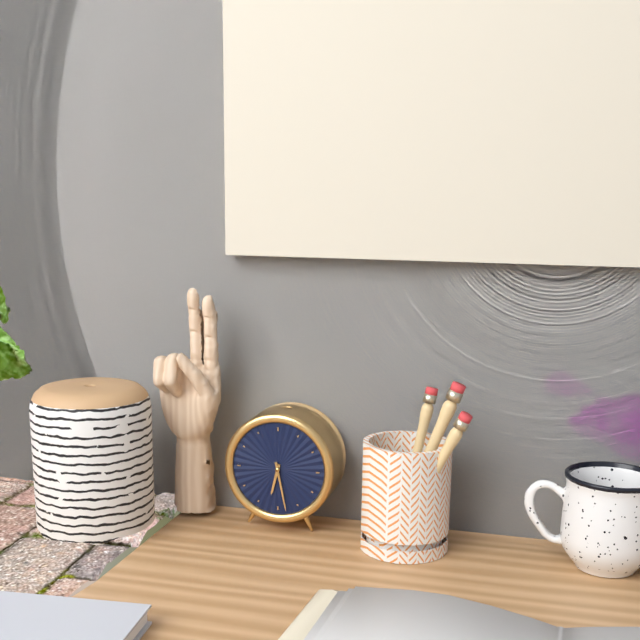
6:28
